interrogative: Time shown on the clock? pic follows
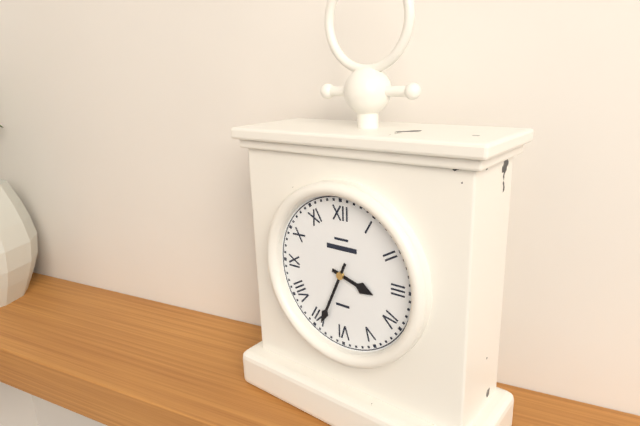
3:34
